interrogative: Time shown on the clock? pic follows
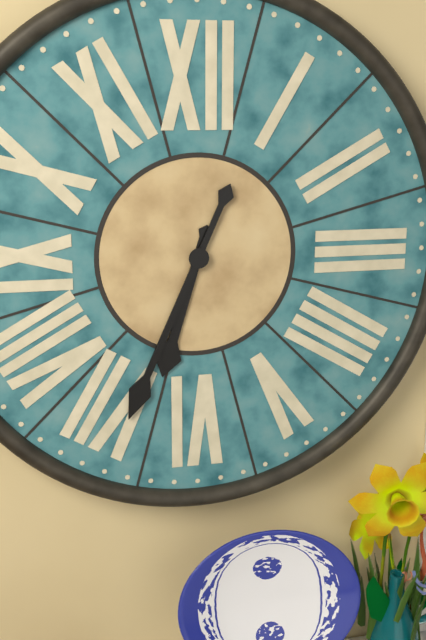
6:34
